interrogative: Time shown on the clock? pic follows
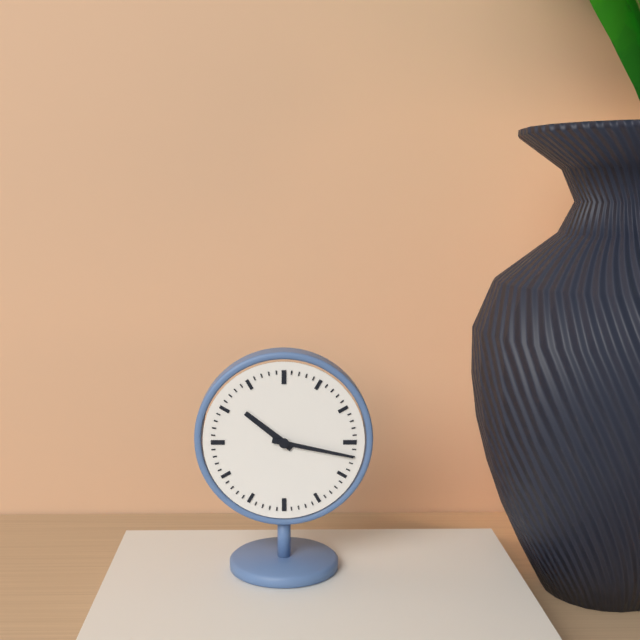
10:17
